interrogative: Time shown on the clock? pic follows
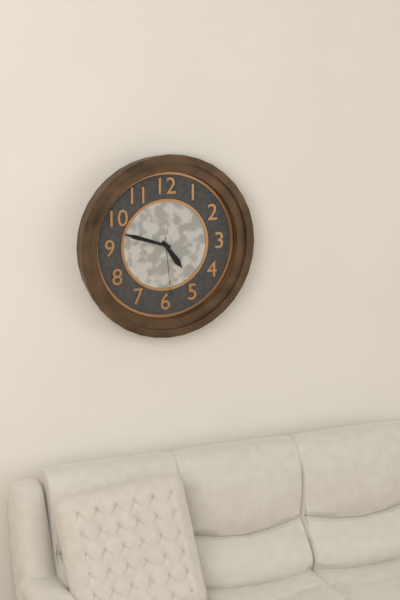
4:48:29
